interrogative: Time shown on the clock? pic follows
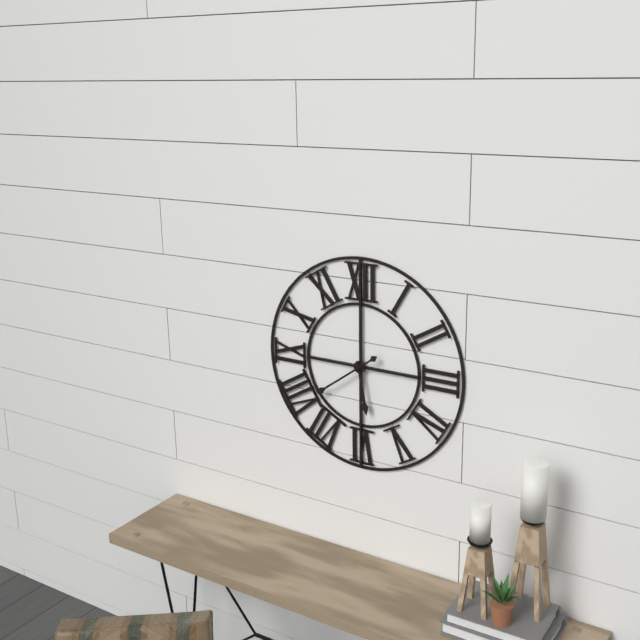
5:39
